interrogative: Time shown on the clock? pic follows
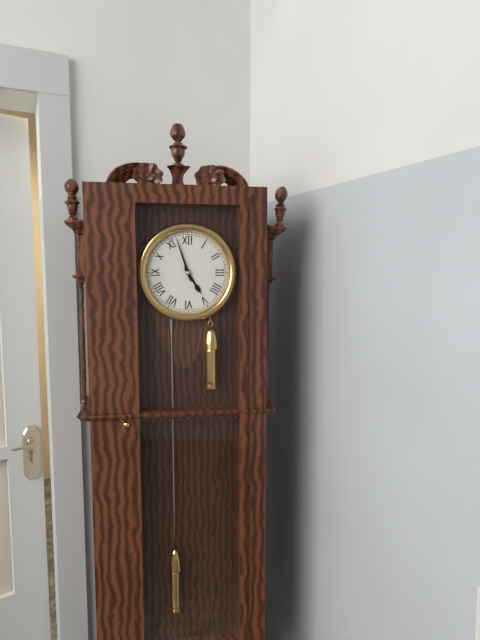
4:57
